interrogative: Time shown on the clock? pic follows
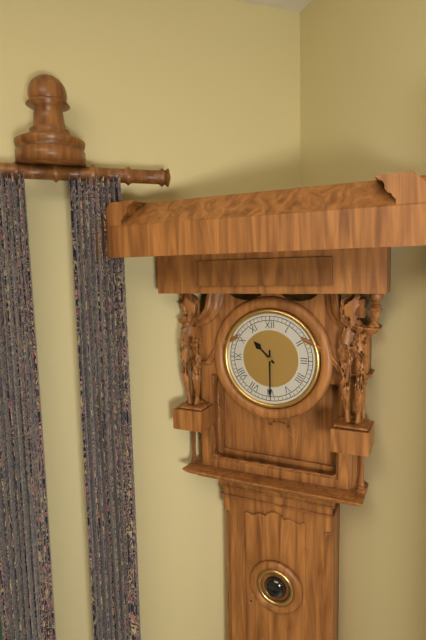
10:30
